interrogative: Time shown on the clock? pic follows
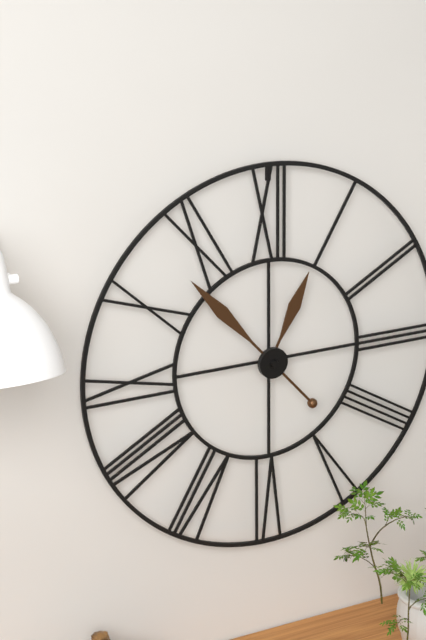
12:53
